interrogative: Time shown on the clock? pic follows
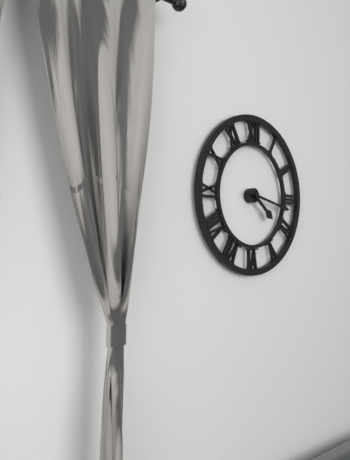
4:17
